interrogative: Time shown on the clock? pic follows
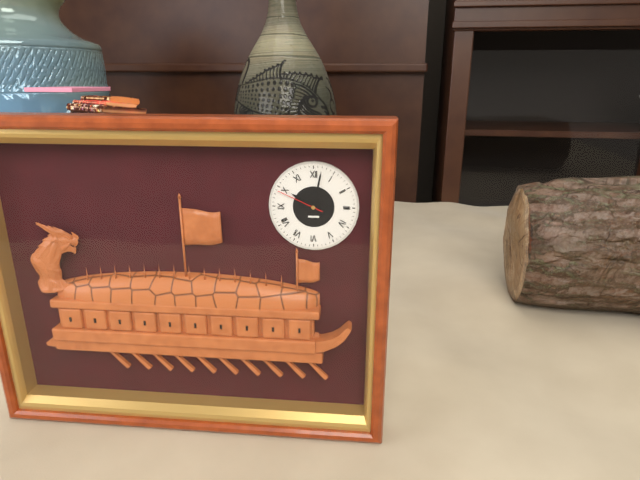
10:02
